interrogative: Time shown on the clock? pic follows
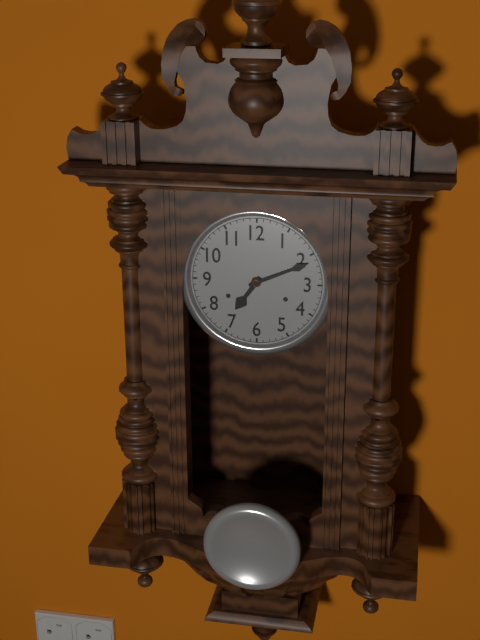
7:11
